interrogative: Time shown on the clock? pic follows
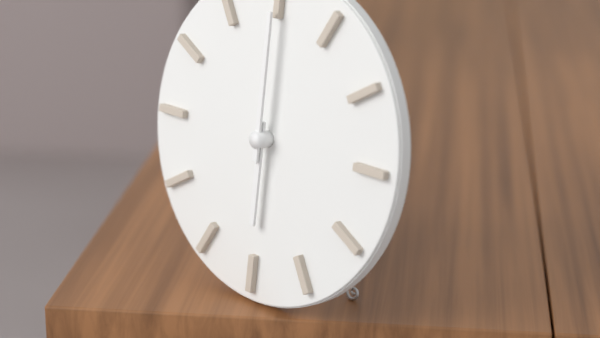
6:00
